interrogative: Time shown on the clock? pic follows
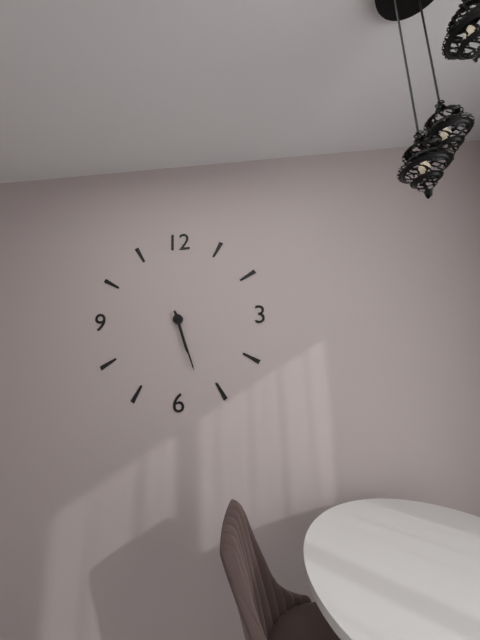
5:27
